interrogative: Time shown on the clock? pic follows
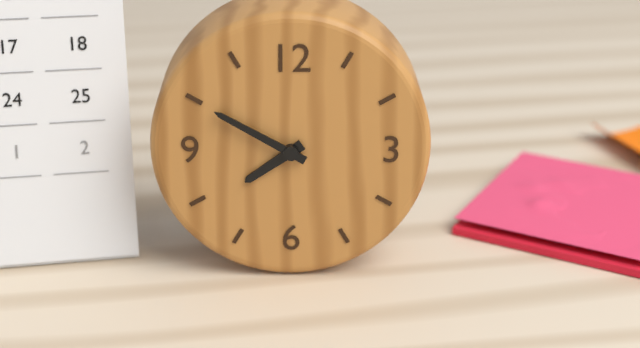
7:50
